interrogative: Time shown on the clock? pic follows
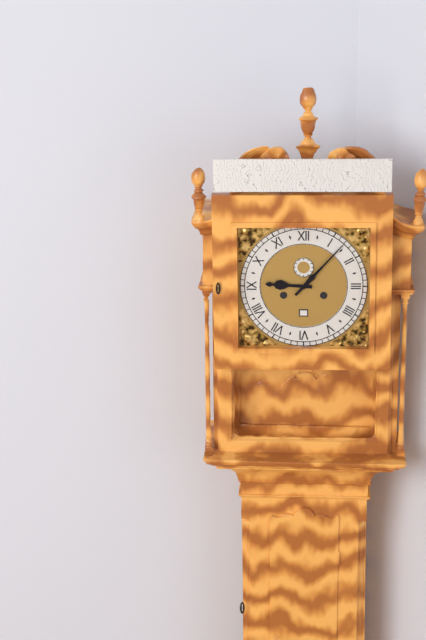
9:07
